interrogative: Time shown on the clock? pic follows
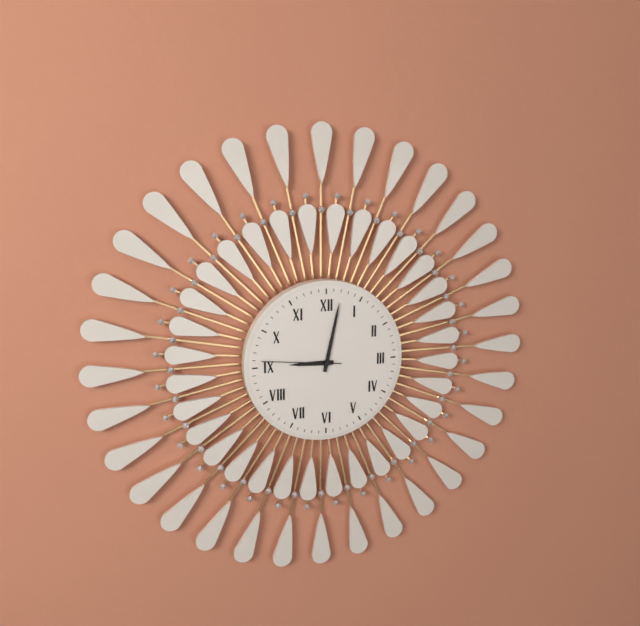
9:02:46
